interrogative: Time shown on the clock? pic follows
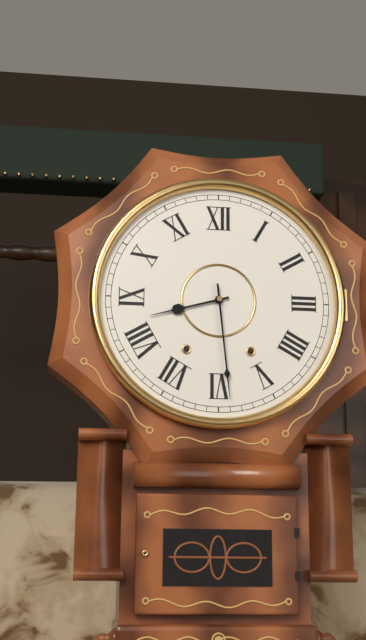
8:29
